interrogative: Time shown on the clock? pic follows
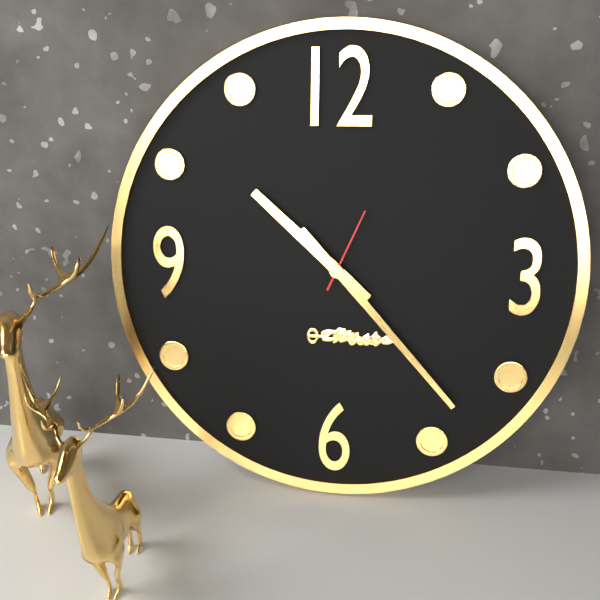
10:23:04
